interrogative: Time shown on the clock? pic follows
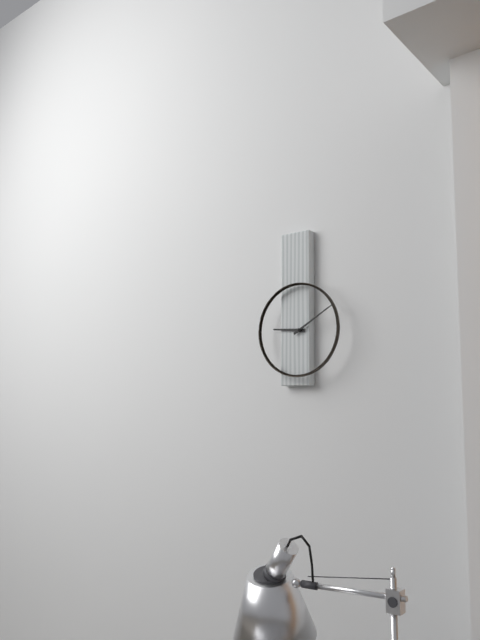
9:10
